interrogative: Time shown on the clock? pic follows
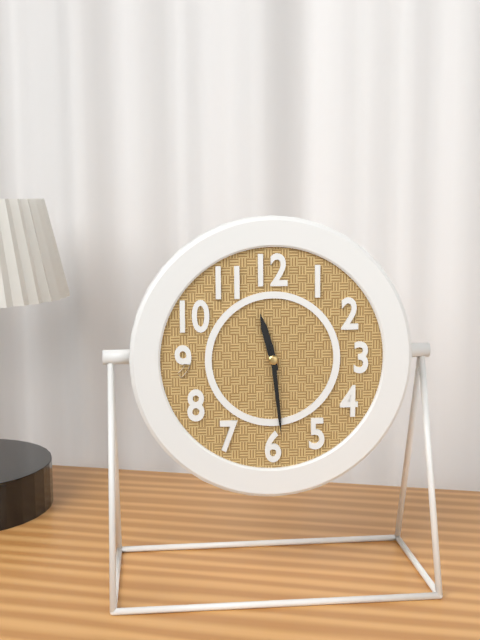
11:29
